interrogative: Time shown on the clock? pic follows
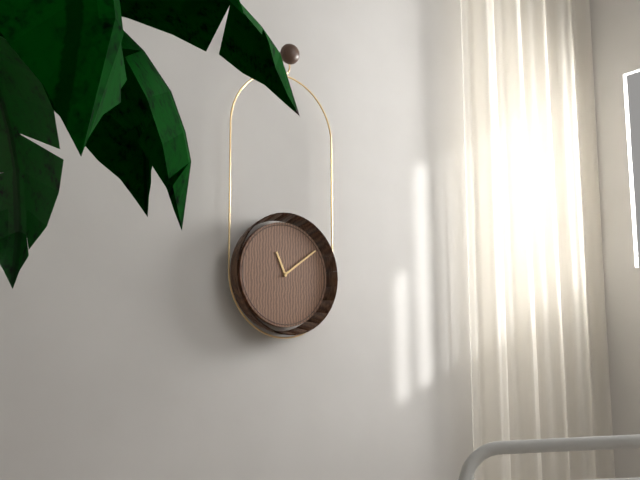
11:09
